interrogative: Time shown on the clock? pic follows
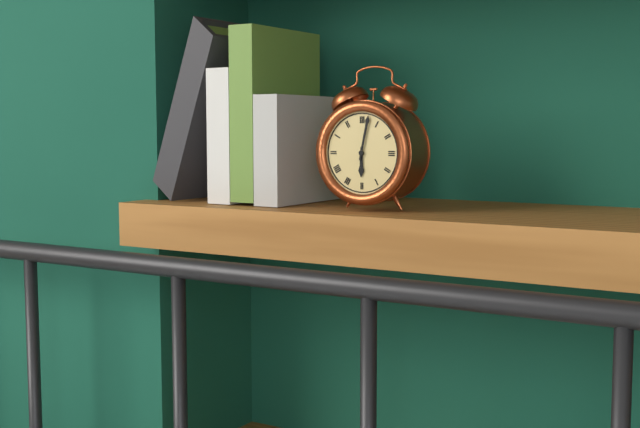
6:02
